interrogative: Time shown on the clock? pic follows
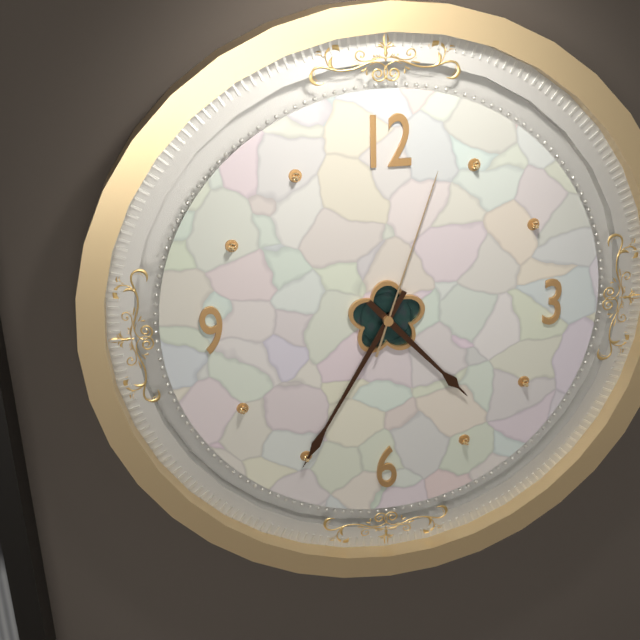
4:35:03
